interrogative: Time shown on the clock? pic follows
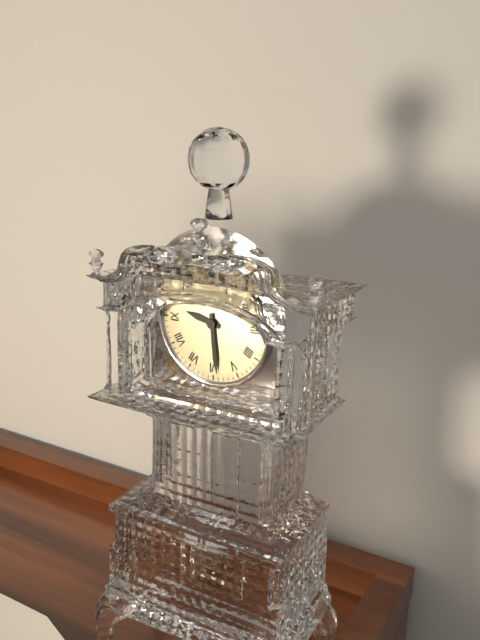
9:29
